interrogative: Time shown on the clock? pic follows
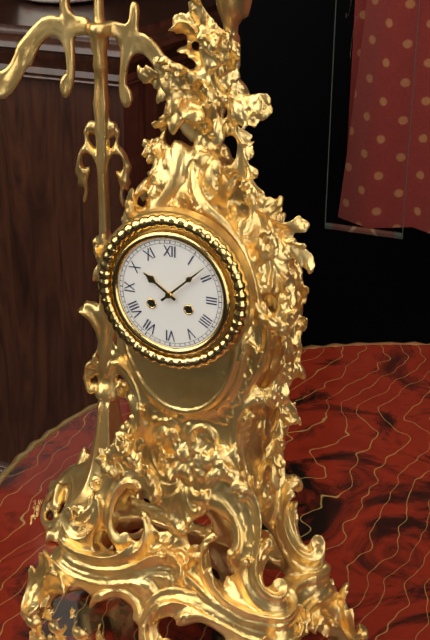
10:08
